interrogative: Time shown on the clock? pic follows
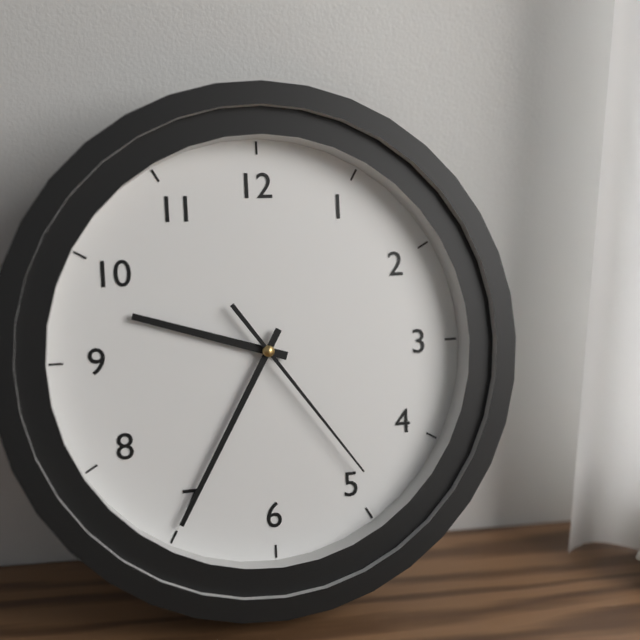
9:35:24
